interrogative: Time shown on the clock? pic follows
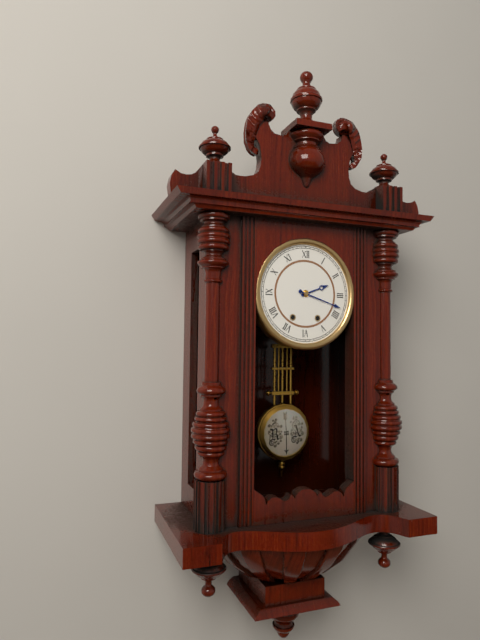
2:18
